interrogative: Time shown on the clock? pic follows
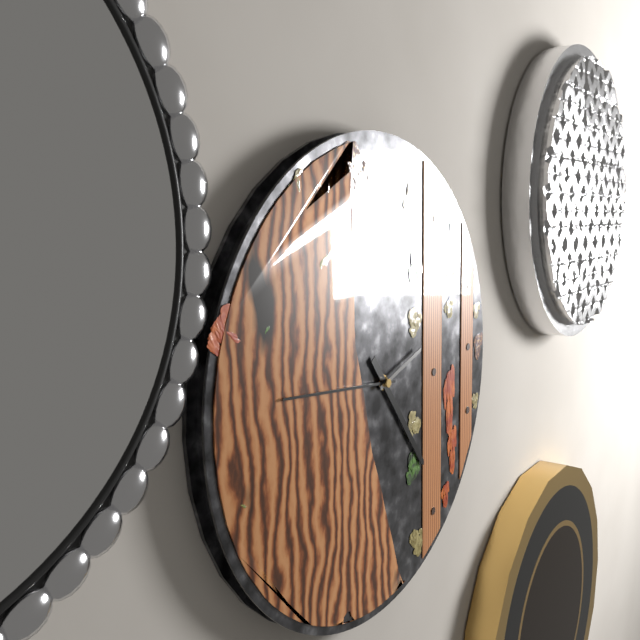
4:46:12
